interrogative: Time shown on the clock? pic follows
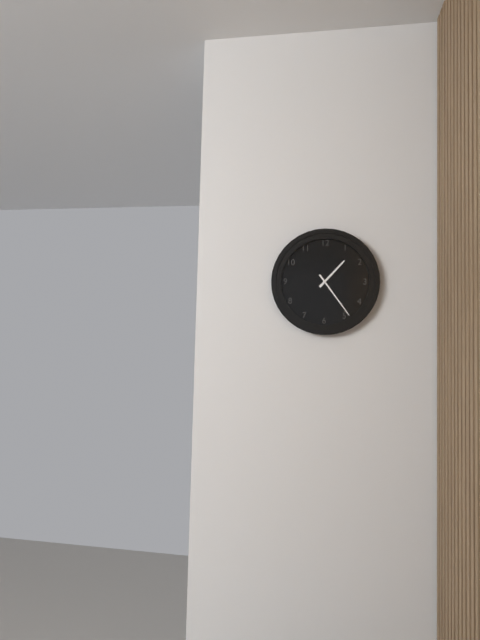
1:24
